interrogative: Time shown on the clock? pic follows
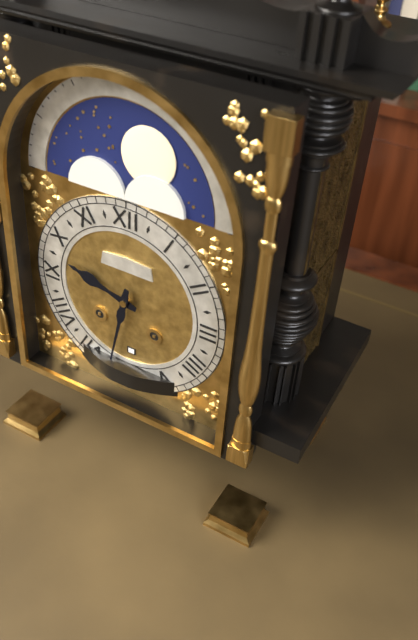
9:32
